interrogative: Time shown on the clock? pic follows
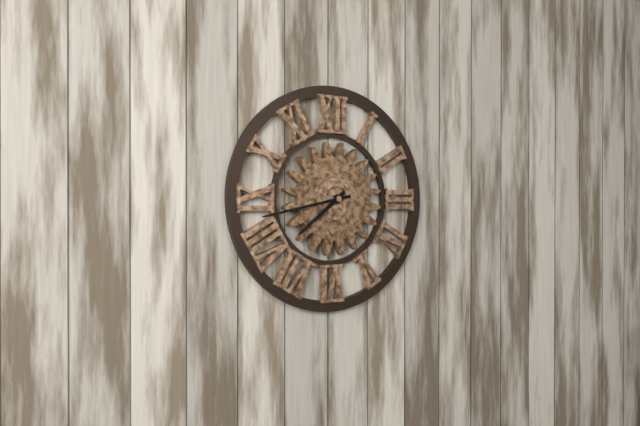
7:43
